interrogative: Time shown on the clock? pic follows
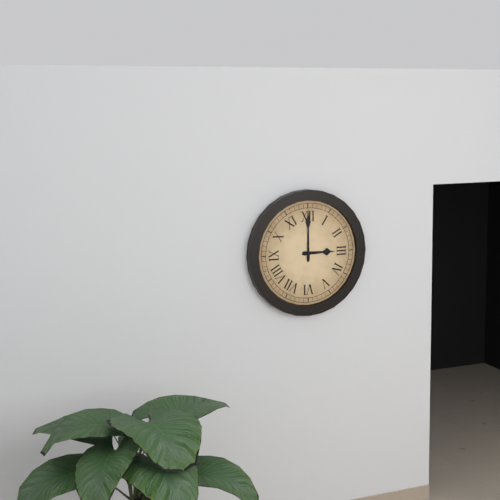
3:00
